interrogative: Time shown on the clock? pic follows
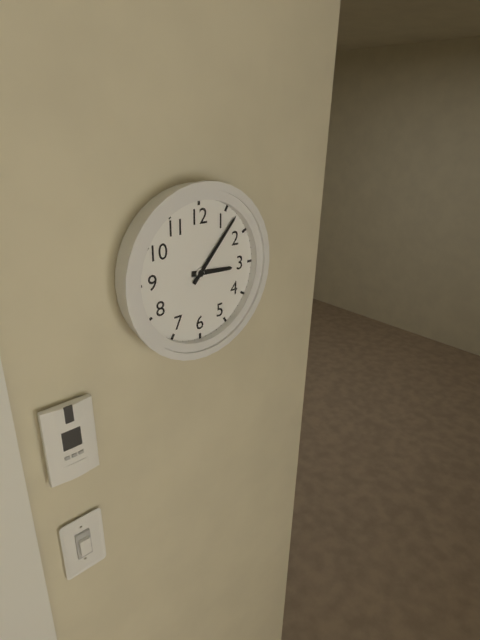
3:07
